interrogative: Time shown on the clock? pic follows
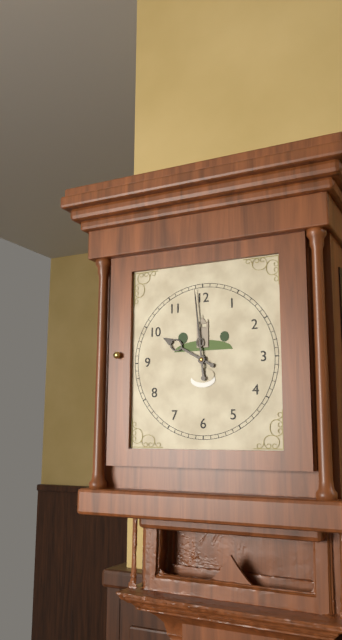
9:59
